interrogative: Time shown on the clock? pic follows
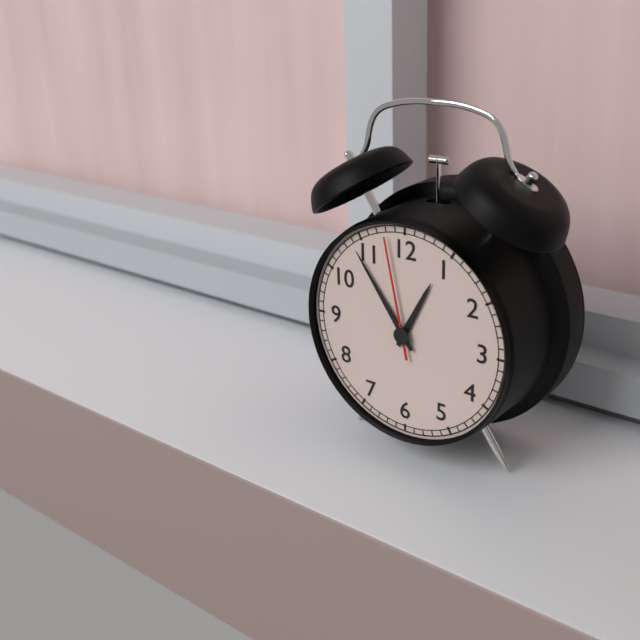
12:54:58
